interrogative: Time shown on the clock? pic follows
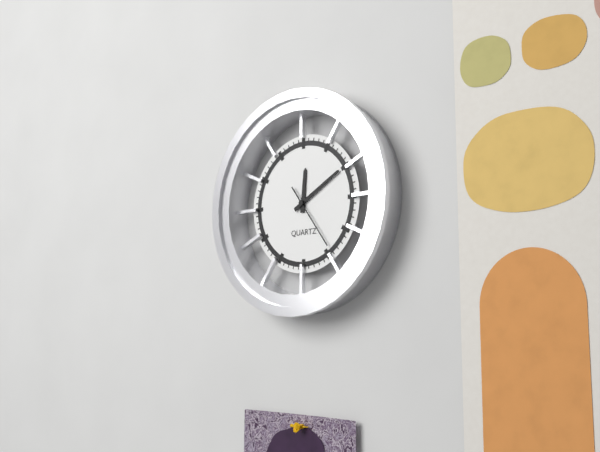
12:10:24
